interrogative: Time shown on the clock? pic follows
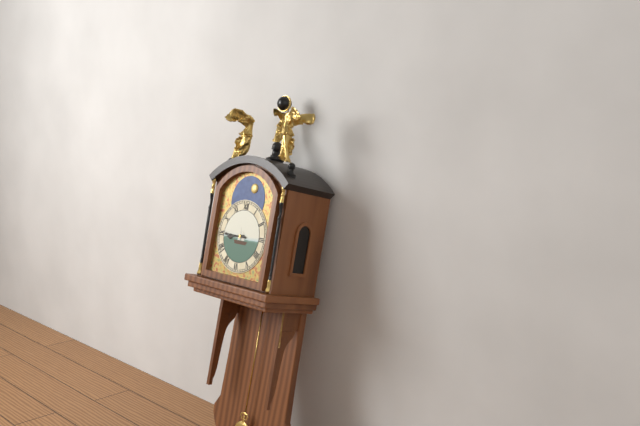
8:45
